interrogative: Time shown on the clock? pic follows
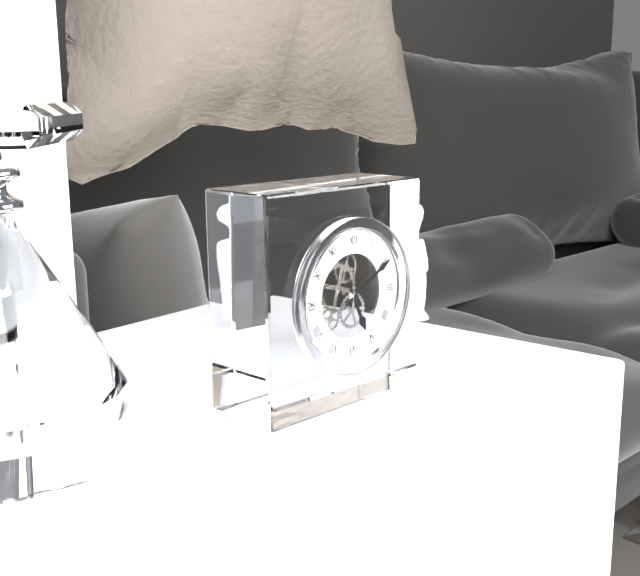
5:10
